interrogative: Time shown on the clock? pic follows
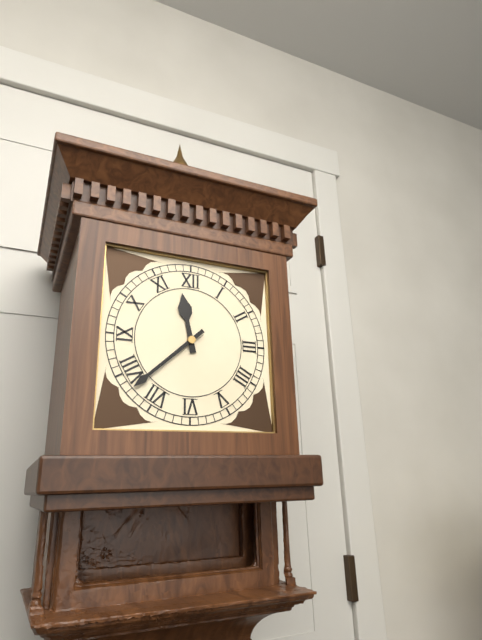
11:38
